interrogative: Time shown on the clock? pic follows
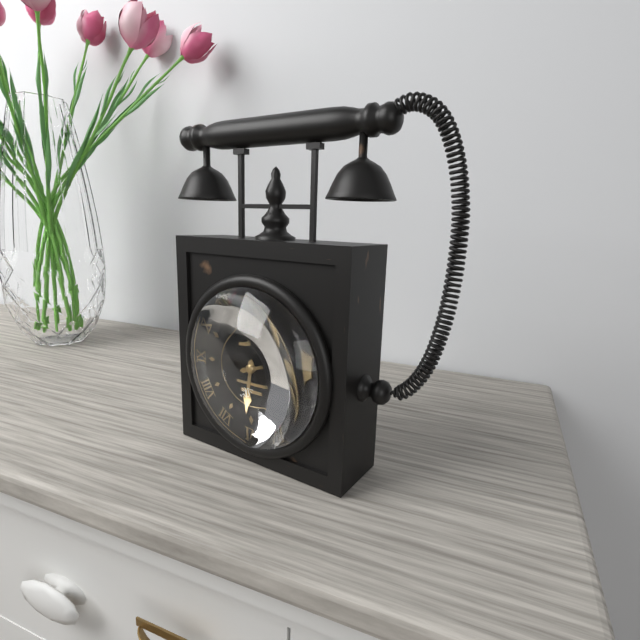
6:12
